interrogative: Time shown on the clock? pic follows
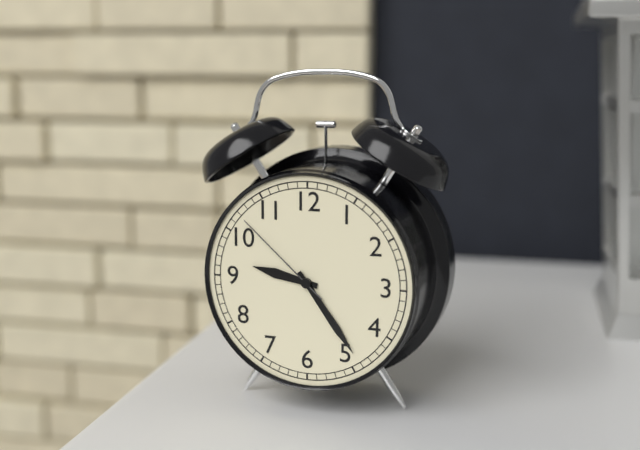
9:24:52
